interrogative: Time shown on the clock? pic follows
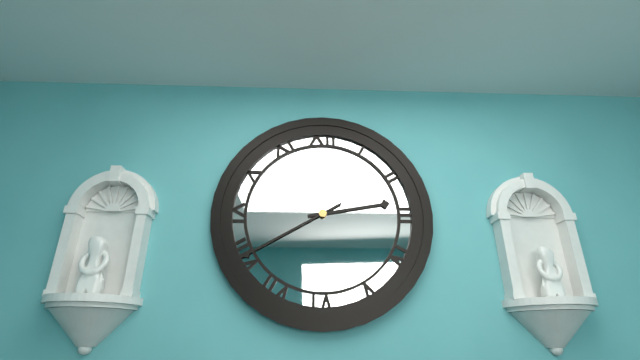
2:40
